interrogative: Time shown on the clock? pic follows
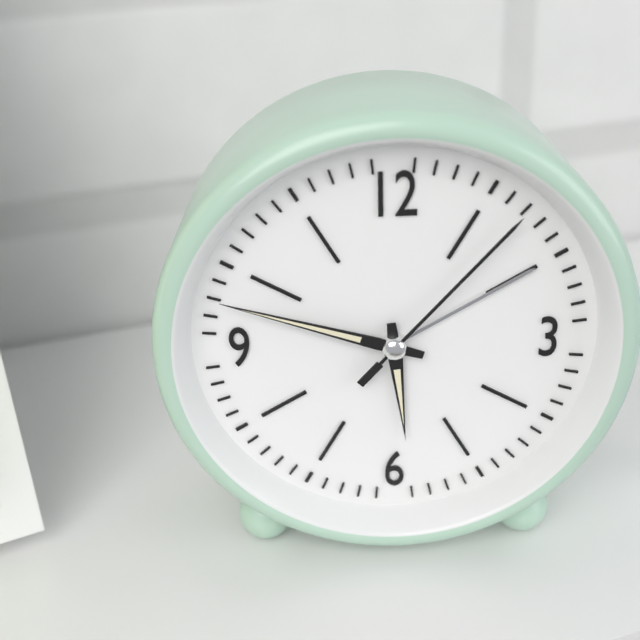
5:48:07
